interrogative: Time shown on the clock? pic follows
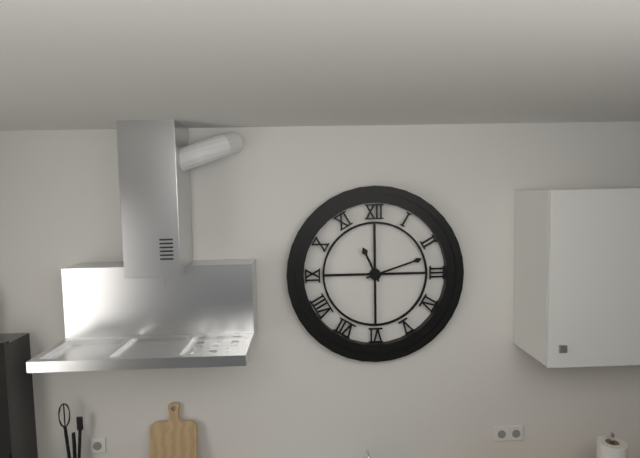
11:12
